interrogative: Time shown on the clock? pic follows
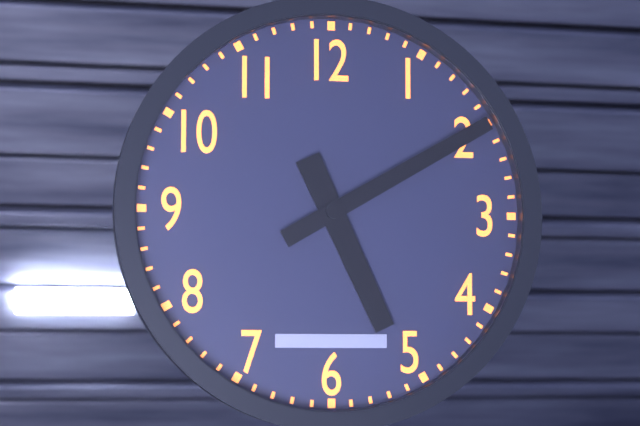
5:10
